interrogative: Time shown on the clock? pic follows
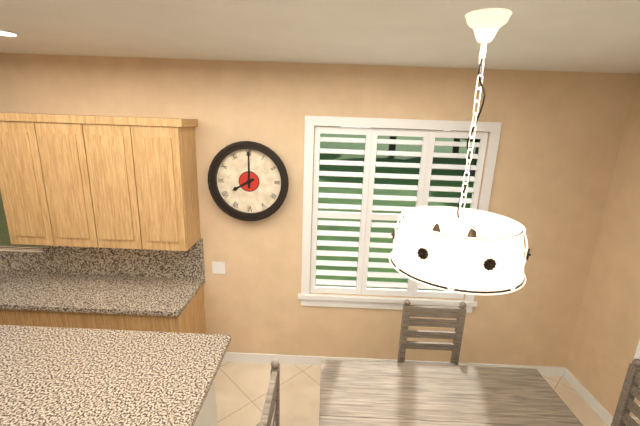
8:00
